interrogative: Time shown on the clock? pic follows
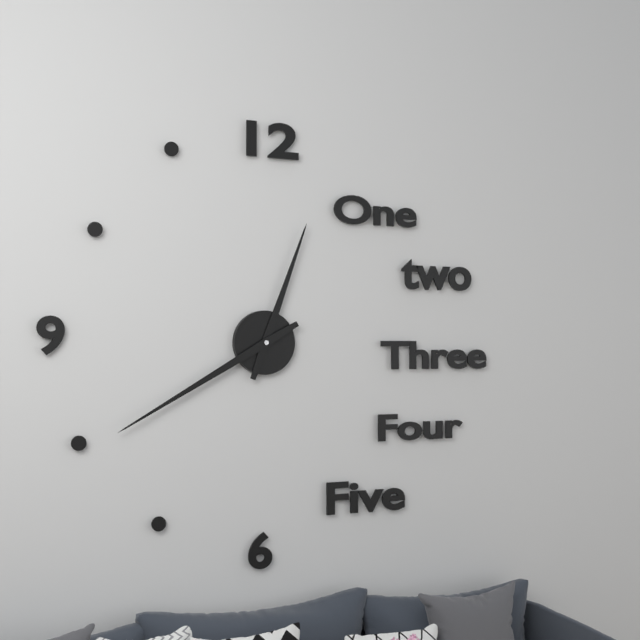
12:40
